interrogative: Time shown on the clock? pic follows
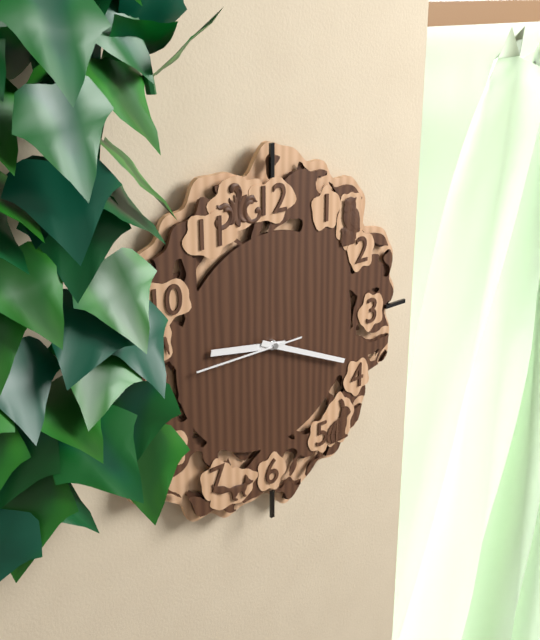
9:19:45
